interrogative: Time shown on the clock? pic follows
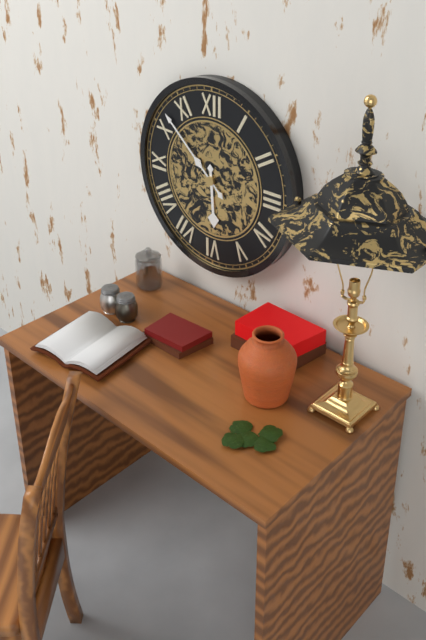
5:52
